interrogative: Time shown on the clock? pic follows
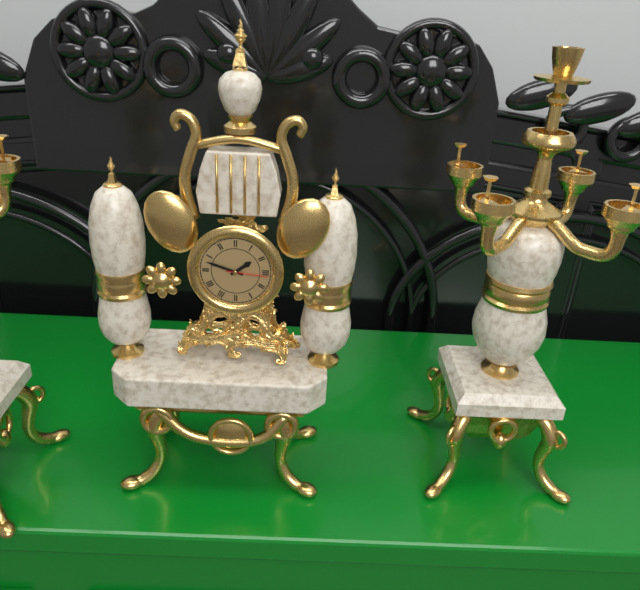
1:48
